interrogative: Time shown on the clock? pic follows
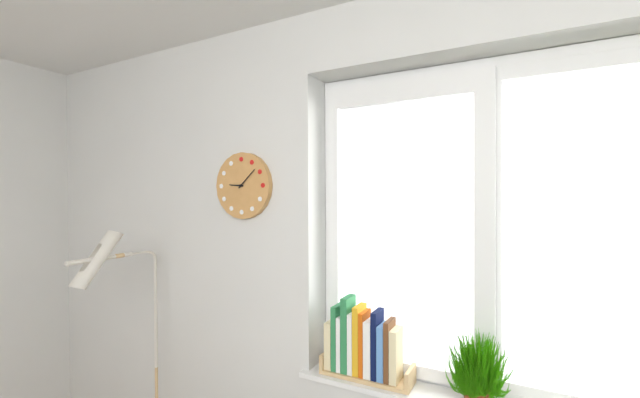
9:08
